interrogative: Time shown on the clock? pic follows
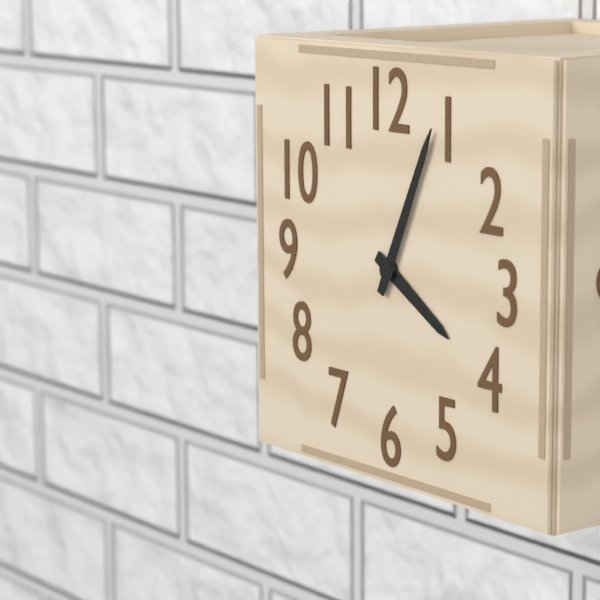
4:04
